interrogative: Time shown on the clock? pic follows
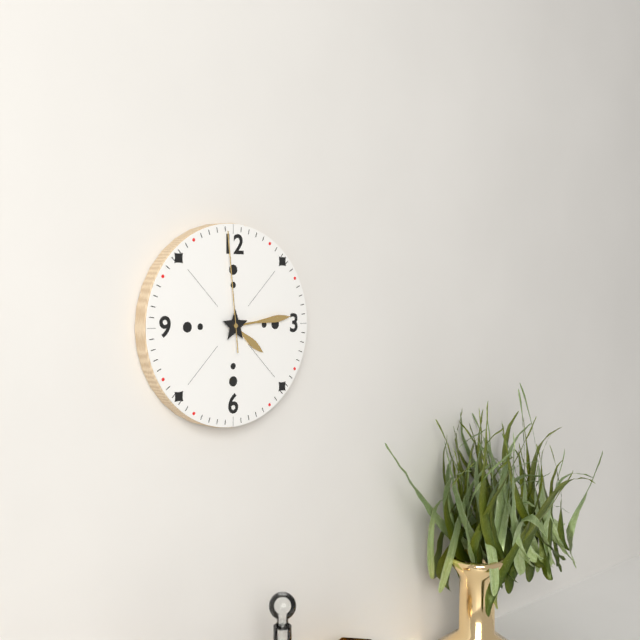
4:14:59
